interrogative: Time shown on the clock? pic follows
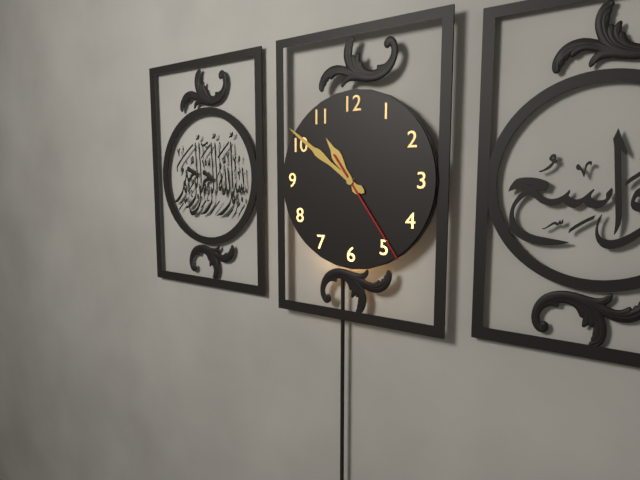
10:51:24
